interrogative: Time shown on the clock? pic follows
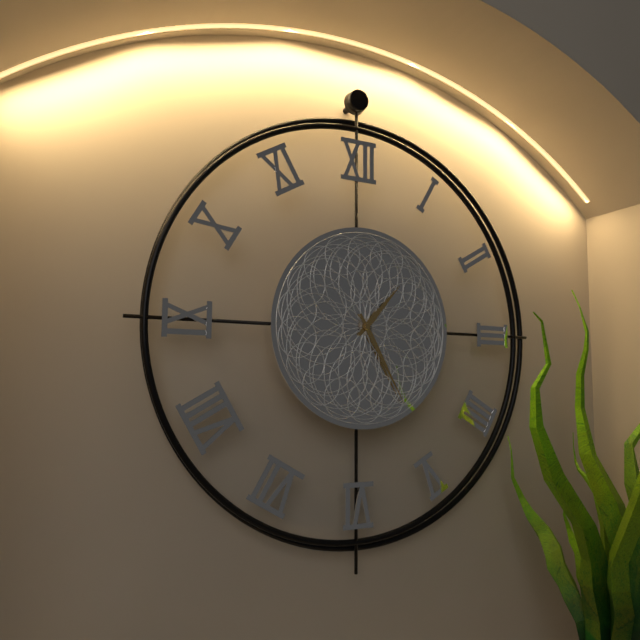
1:25
